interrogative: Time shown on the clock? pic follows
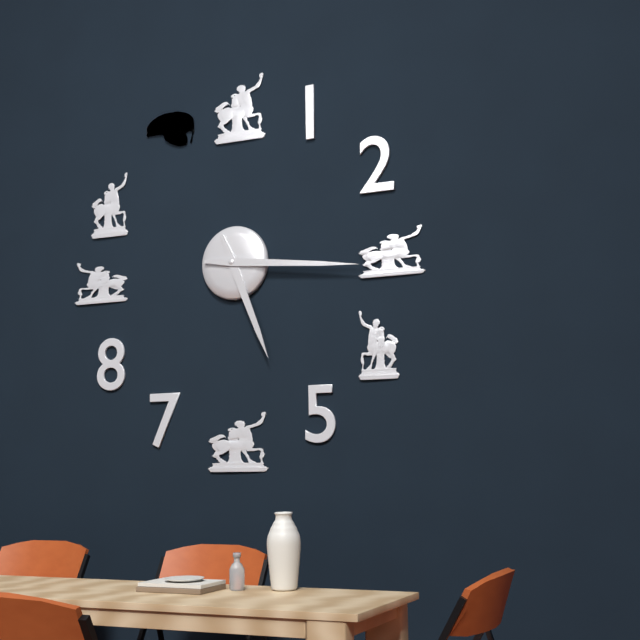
5:16
